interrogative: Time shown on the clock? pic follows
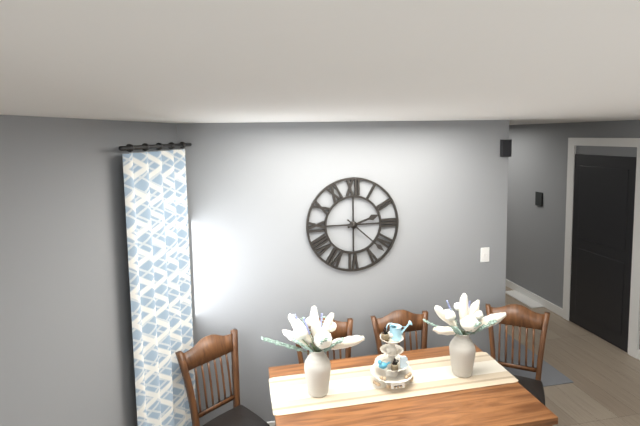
2:22
